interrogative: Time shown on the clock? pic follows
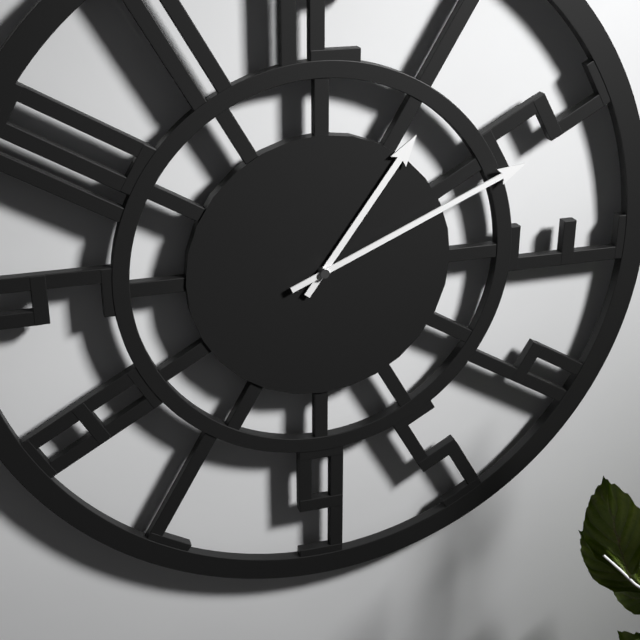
1:11
